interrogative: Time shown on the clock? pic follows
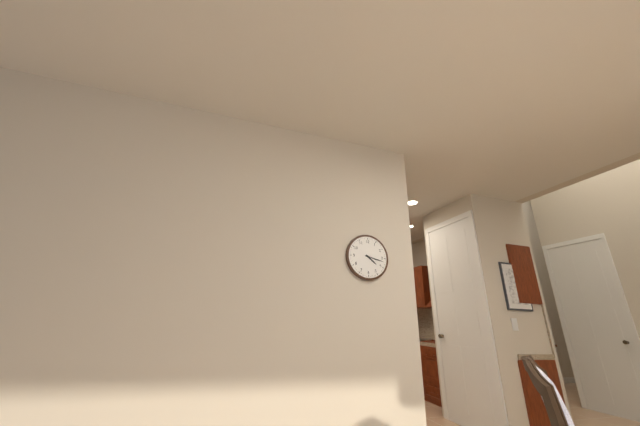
4:17
